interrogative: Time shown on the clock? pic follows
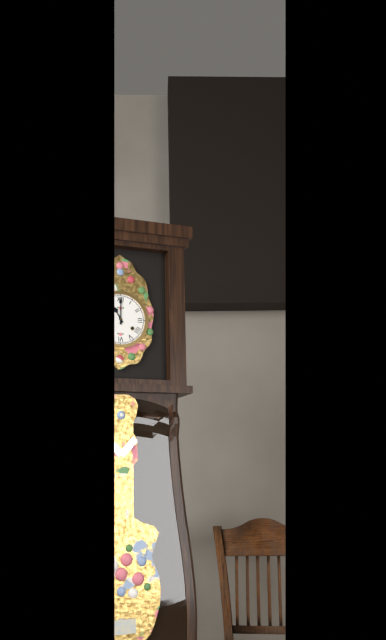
11:00
